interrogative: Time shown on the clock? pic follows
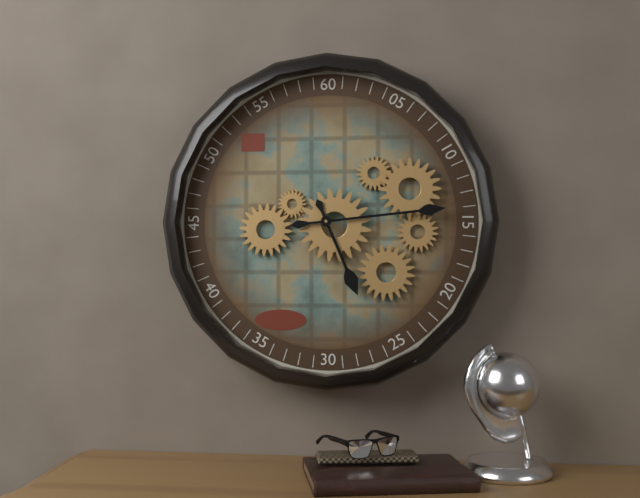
5:14
